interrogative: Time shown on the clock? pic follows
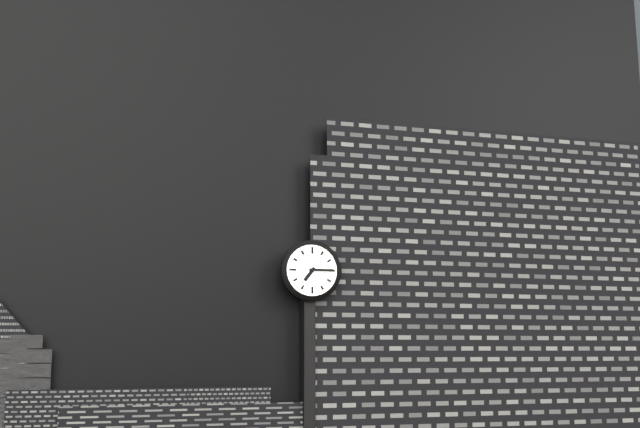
7:15
